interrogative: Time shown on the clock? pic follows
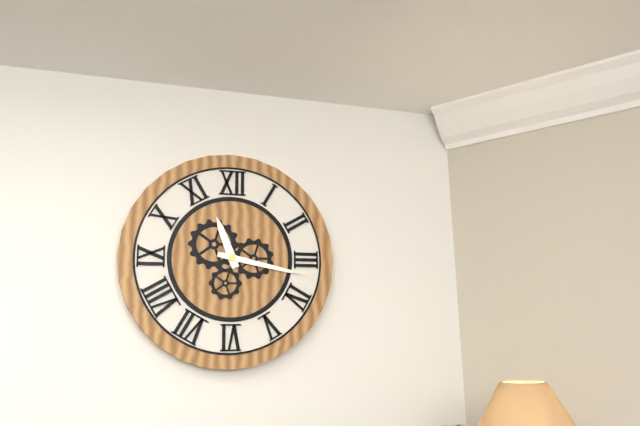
11:17
